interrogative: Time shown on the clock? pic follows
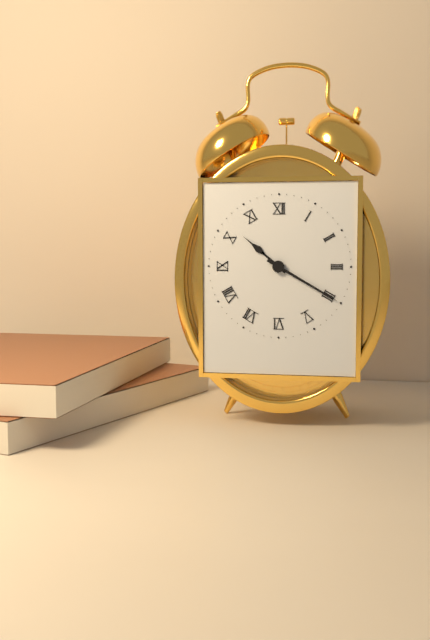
10:20
